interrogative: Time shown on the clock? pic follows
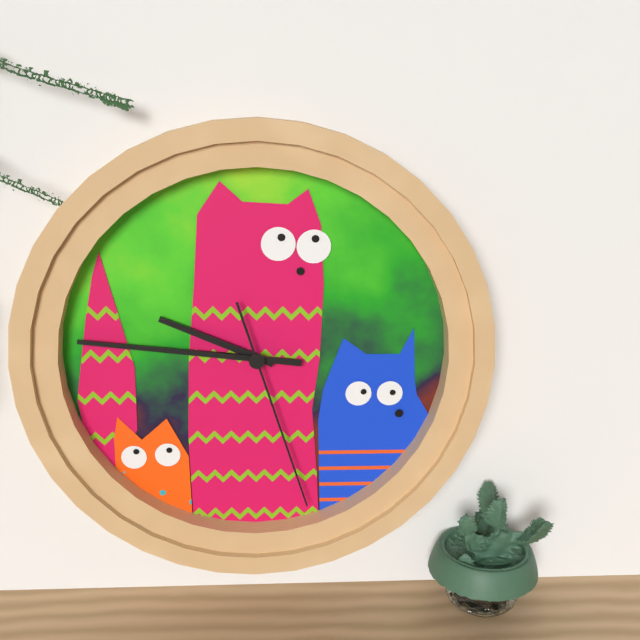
9:46:27
